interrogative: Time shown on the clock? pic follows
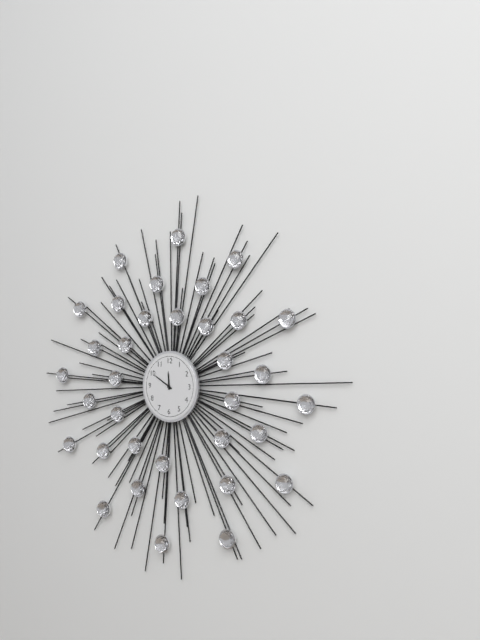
11:50
